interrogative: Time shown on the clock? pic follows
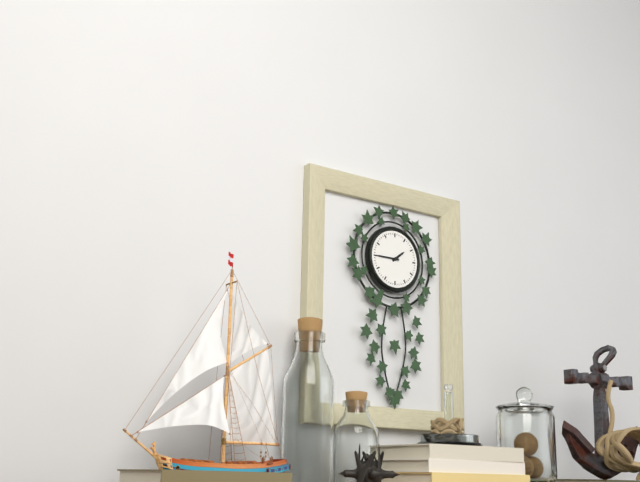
1:45
